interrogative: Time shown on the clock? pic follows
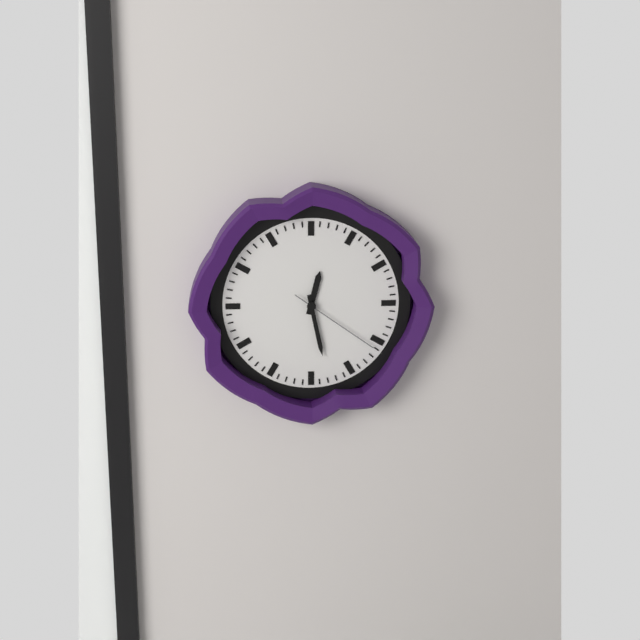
12:28:21
